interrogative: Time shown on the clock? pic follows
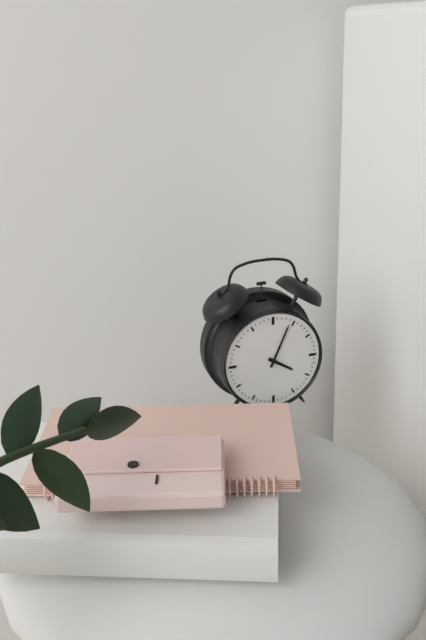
4:04
